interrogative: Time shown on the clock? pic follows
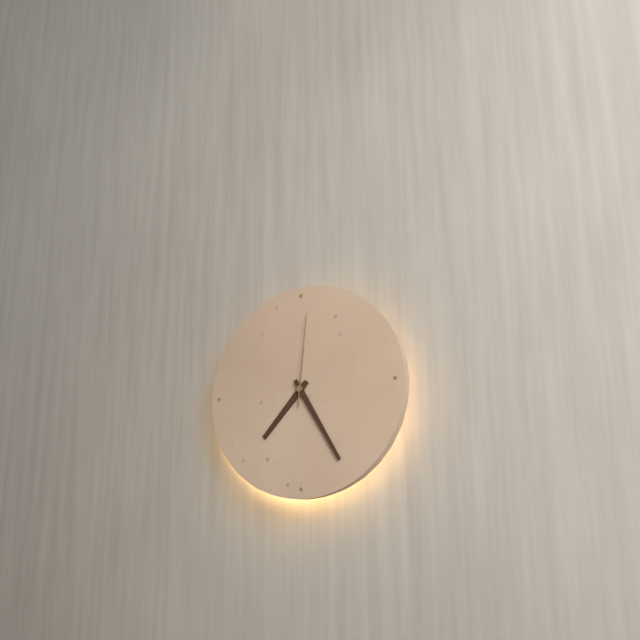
7:25:01
